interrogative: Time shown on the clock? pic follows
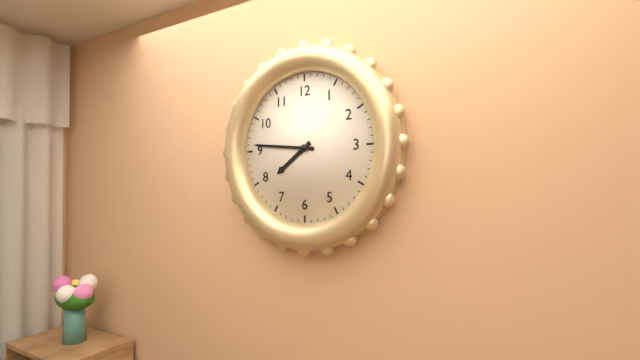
7:46
